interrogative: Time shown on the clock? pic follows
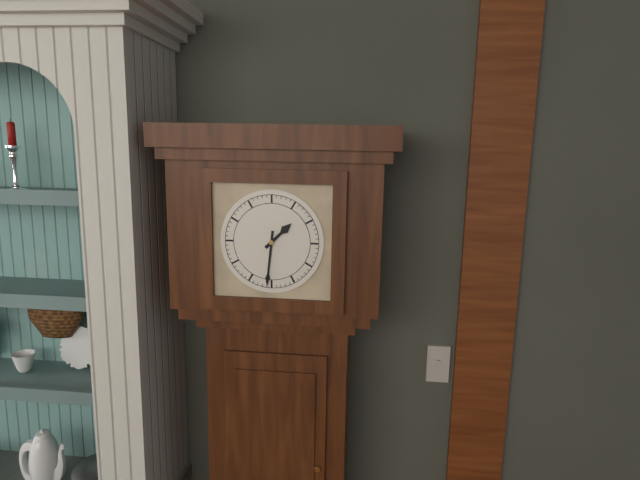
1:31
